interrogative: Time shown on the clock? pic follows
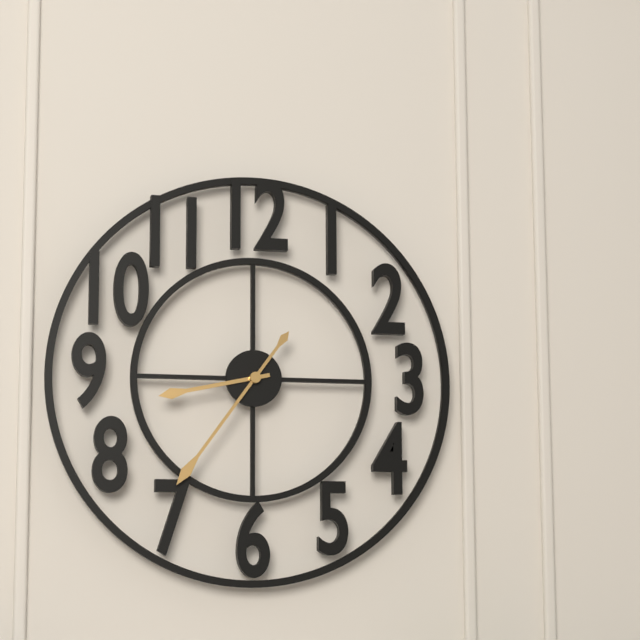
8:36
